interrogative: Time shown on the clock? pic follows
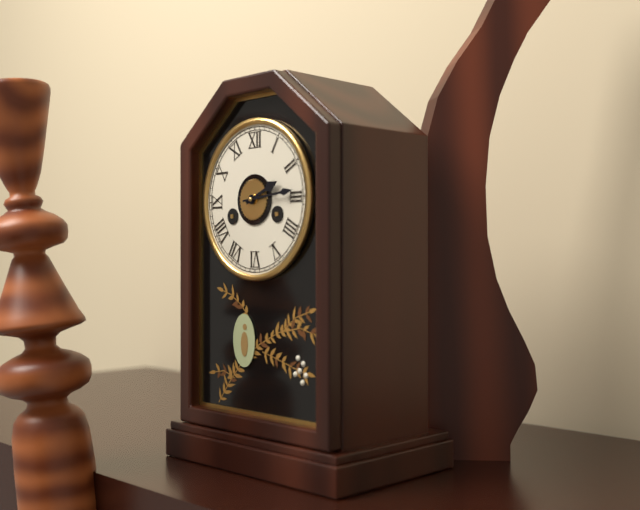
2:14
